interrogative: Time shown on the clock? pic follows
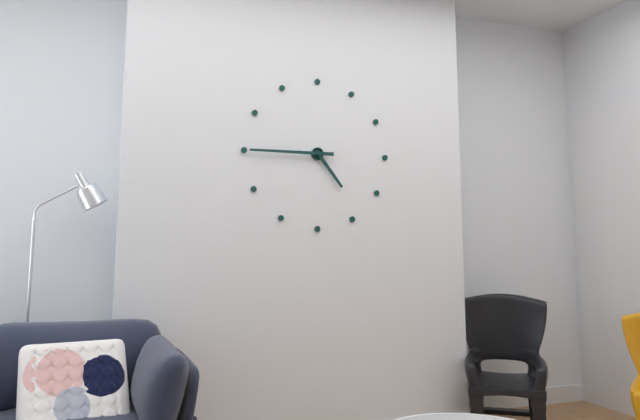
4:45
